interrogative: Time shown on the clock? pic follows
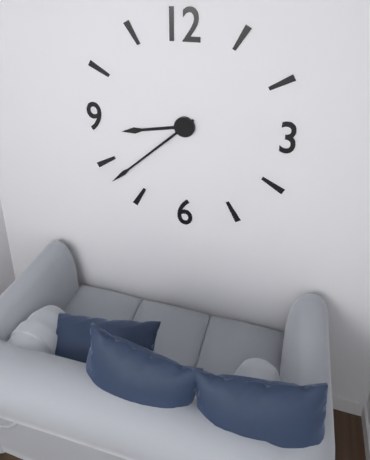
8:38
